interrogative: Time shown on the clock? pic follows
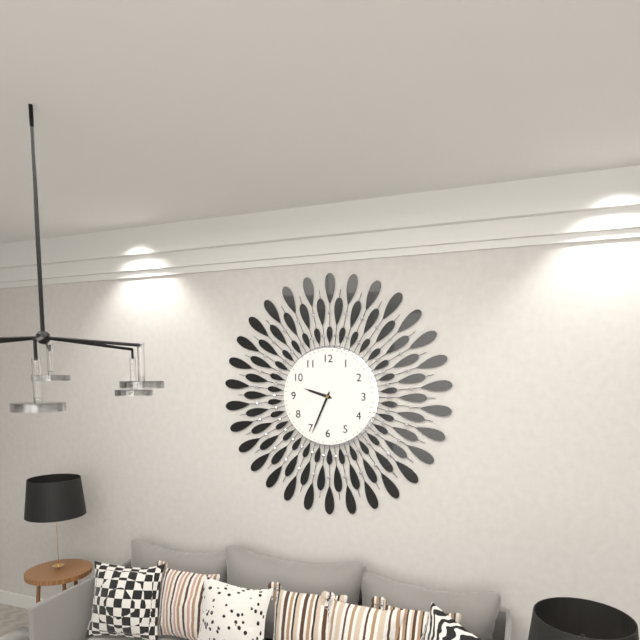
9:34
